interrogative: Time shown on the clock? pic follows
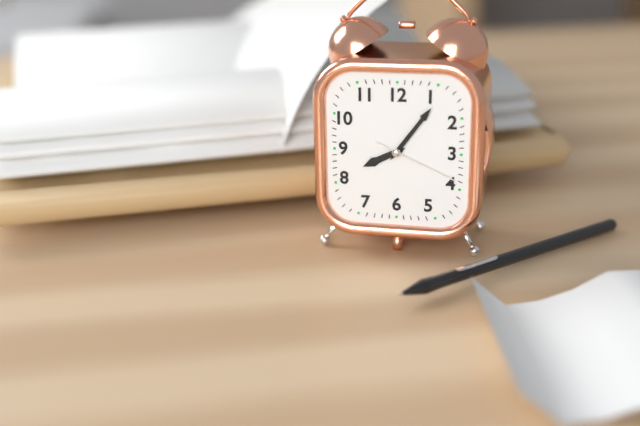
8:06:19
